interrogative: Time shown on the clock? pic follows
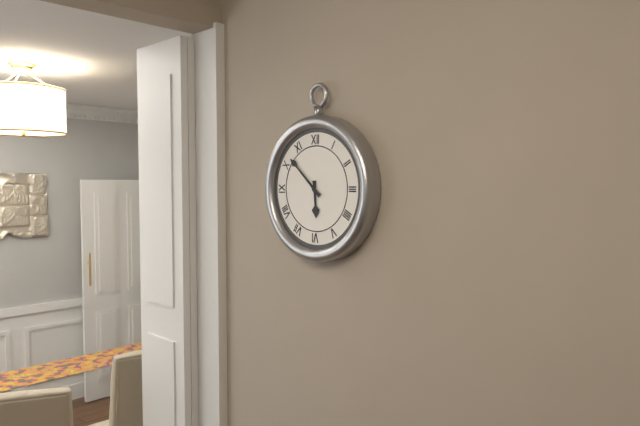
5:52
